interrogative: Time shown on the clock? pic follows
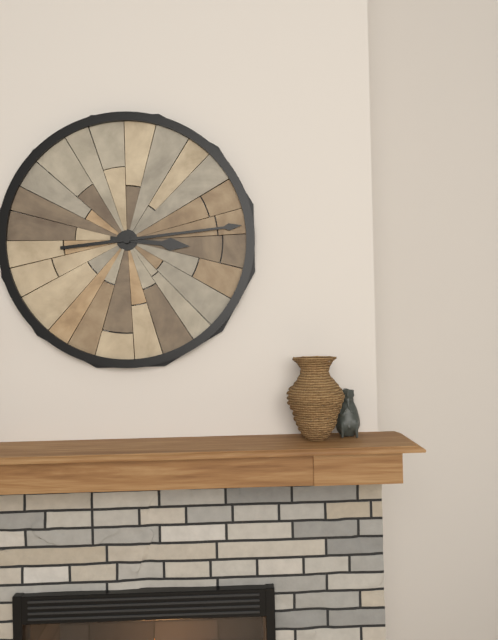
3:14
